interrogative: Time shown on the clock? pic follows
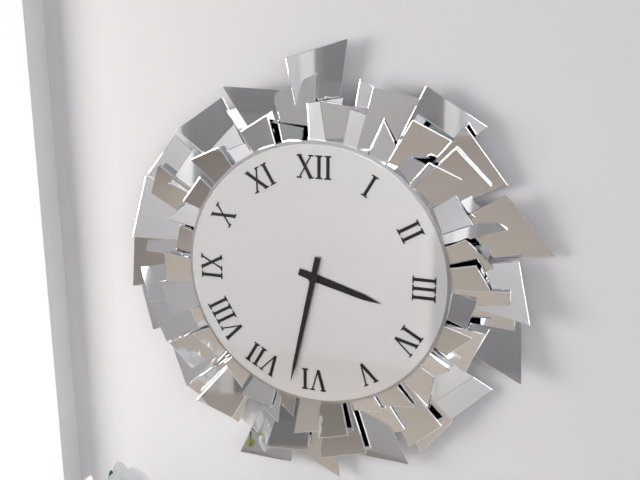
3:32
